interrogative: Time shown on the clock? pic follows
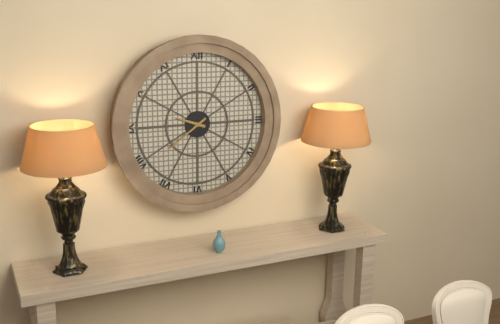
9:39
